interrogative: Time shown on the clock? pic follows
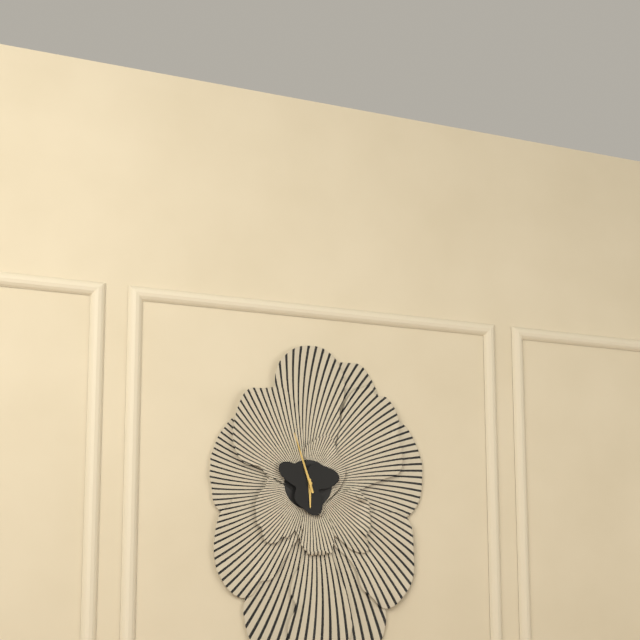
5:57
